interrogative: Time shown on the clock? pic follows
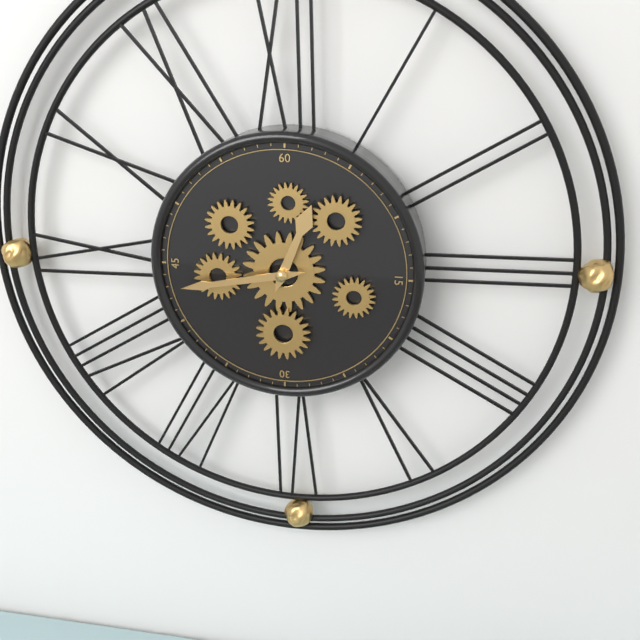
12:43
